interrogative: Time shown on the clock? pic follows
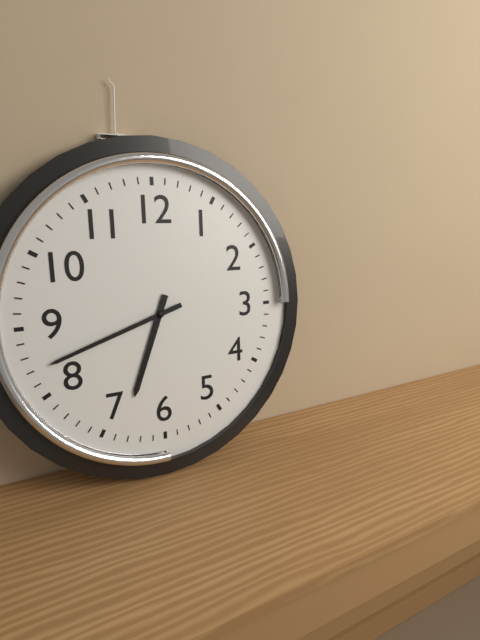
6:42
